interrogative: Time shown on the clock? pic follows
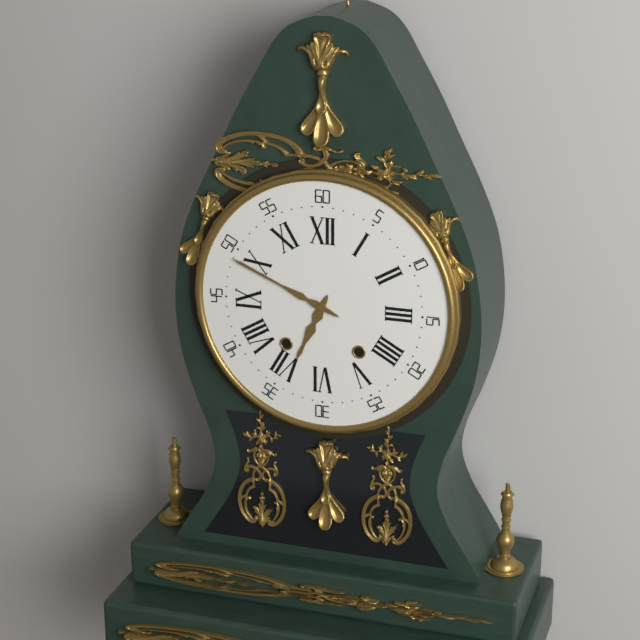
6:49
